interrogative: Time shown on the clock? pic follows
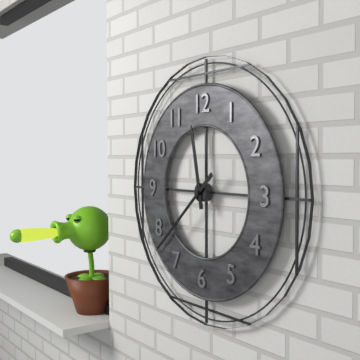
11:38
